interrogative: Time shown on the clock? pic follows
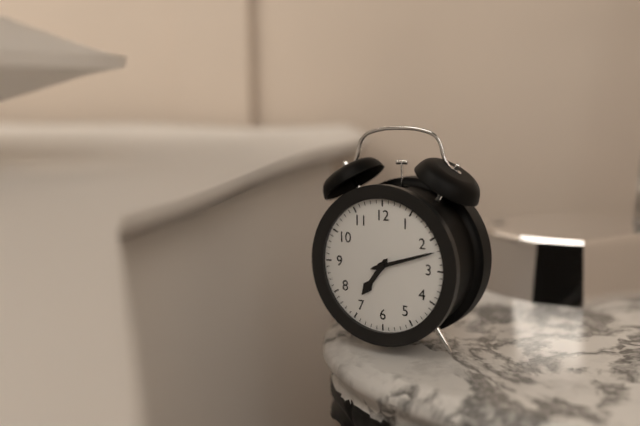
7:12
